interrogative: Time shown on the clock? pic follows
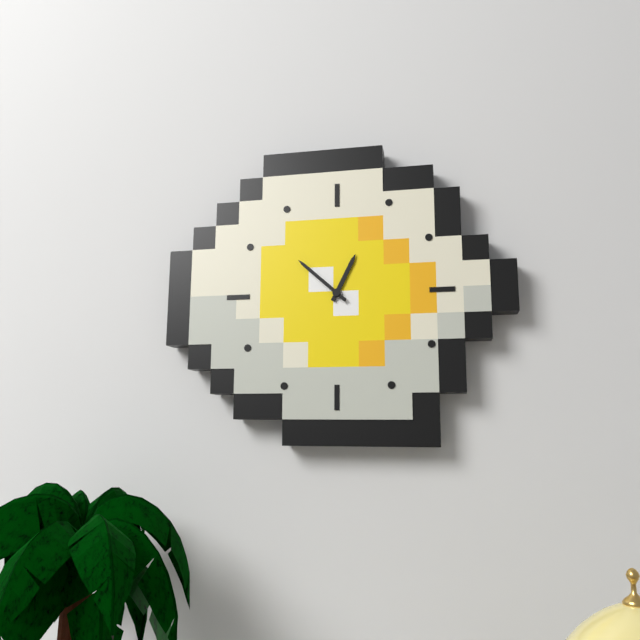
12:52
